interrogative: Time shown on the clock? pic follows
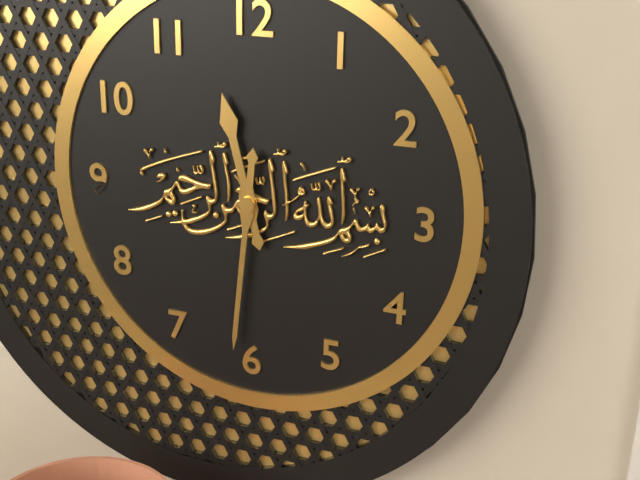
11:31
